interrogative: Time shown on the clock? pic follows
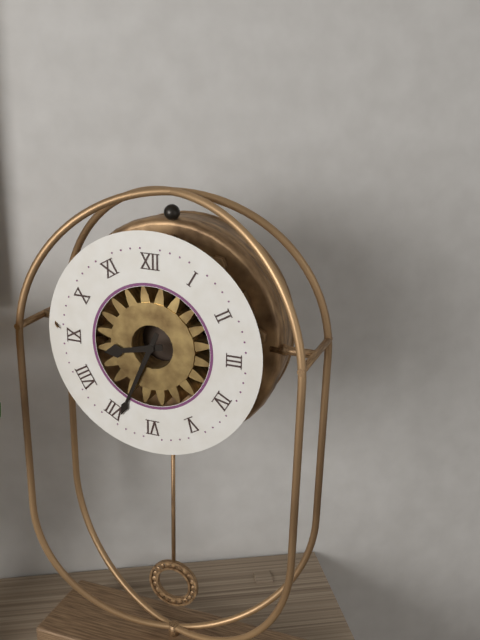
8:34
